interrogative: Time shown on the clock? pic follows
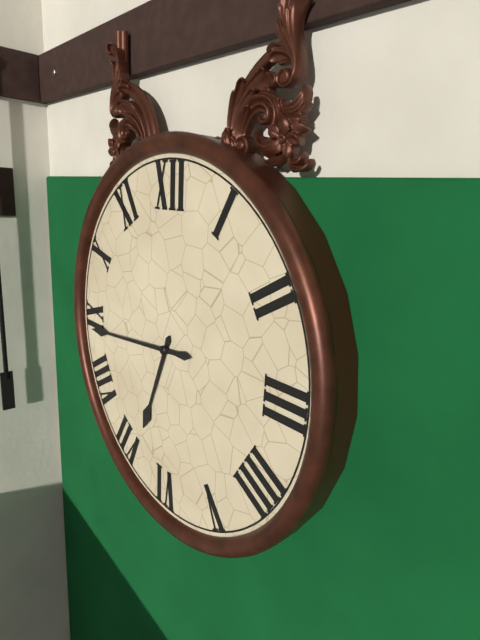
6:44
